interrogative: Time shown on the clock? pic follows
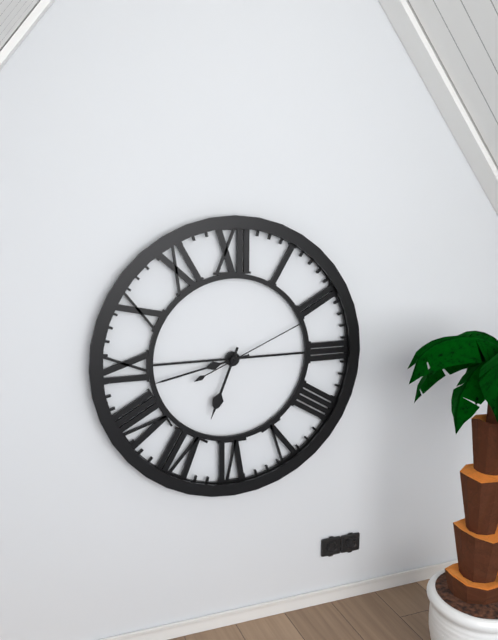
6:43:11
